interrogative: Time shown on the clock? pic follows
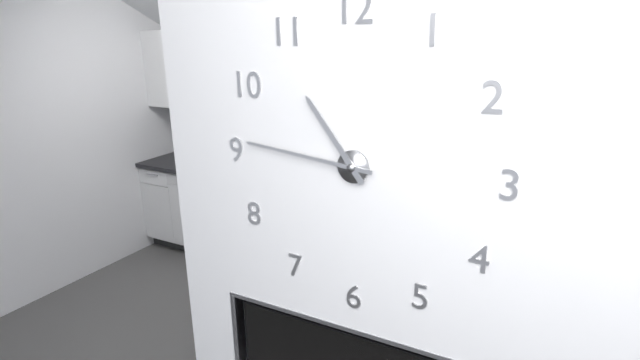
10:46
